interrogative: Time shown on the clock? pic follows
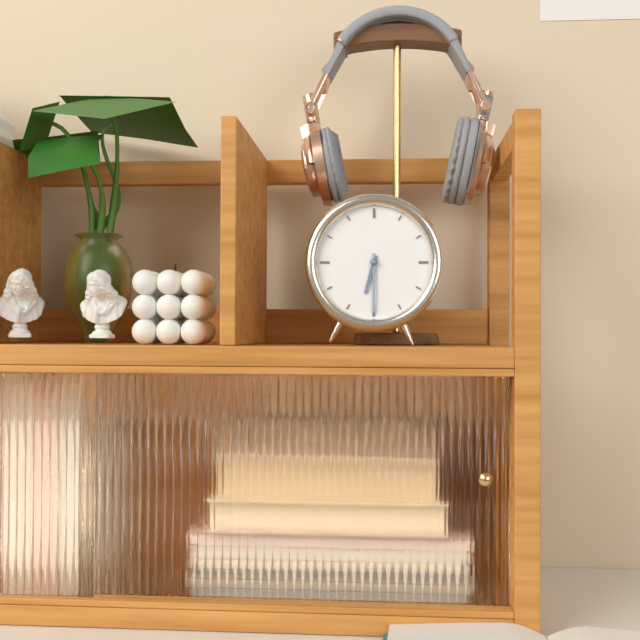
6:30
